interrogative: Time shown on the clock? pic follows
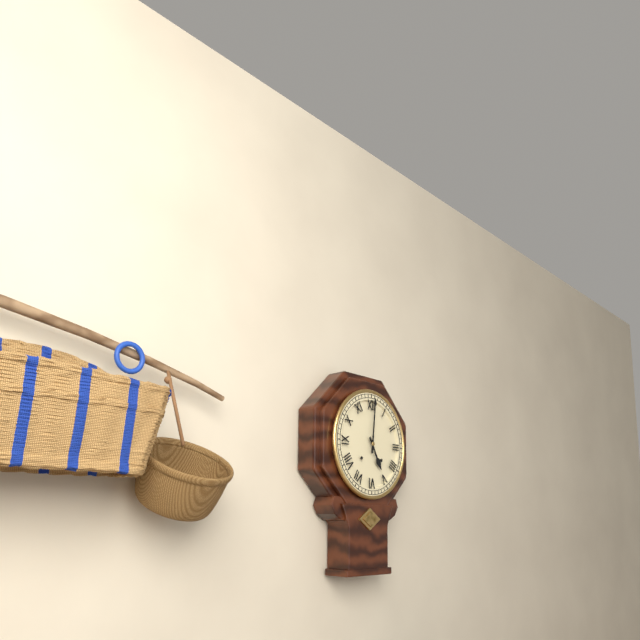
5:01
